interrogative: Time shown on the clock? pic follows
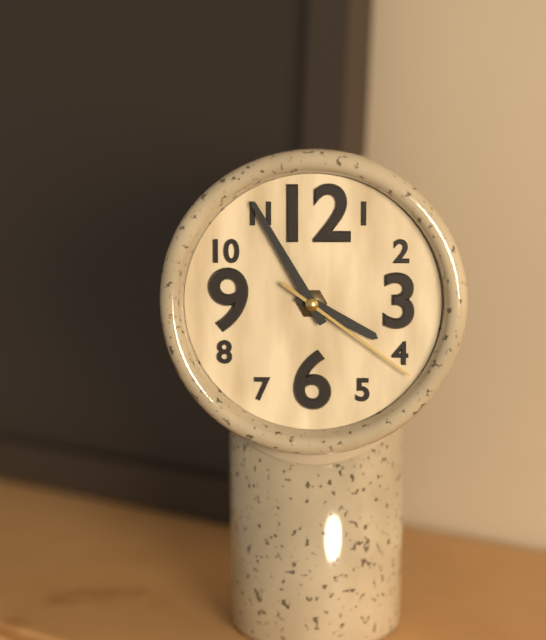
3:55:21
